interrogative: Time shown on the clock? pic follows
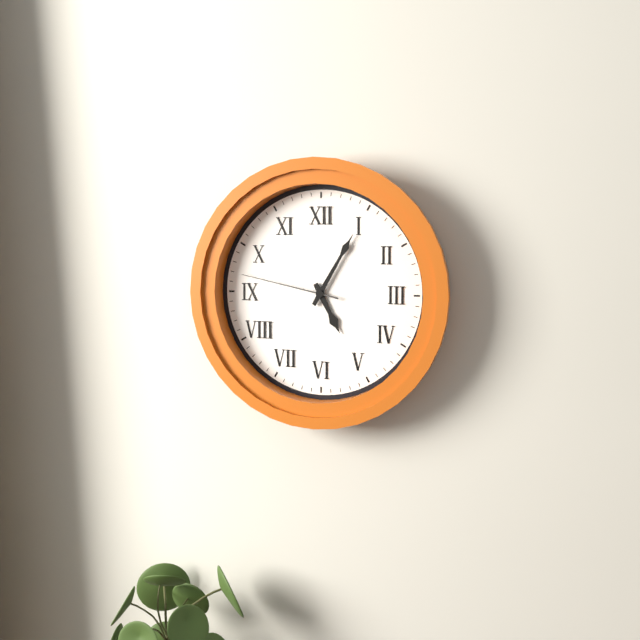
5:05:47
